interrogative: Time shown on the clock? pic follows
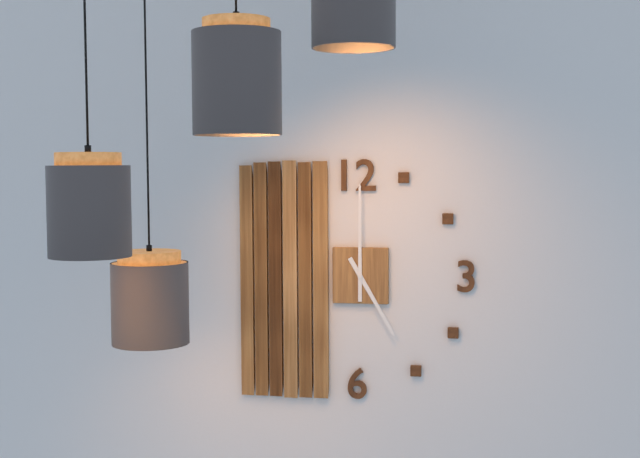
5:00
